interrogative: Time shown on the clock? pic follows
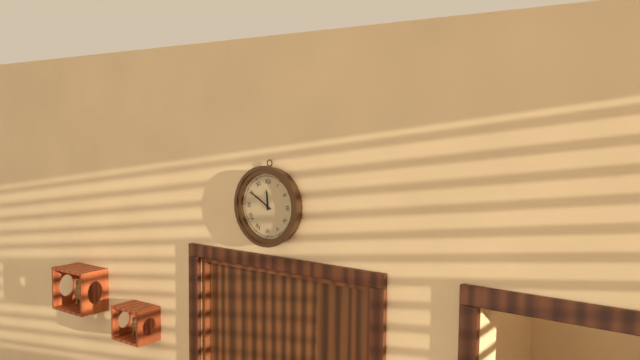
11:50
